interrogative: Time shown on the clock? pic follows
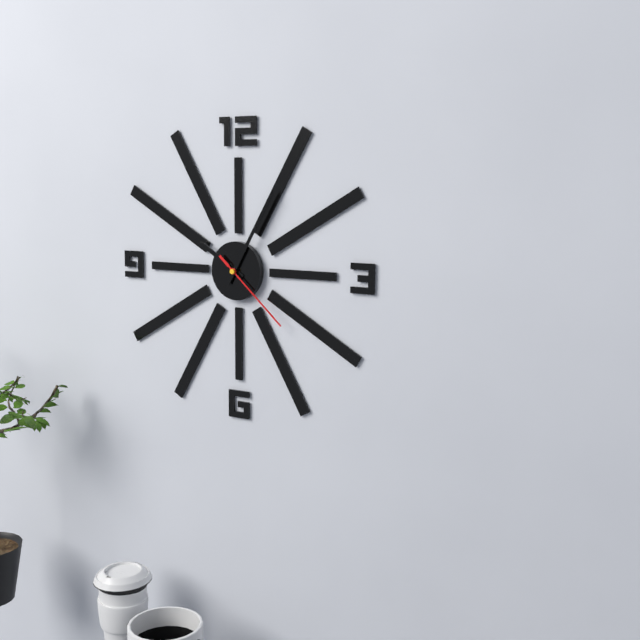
10:05:22
